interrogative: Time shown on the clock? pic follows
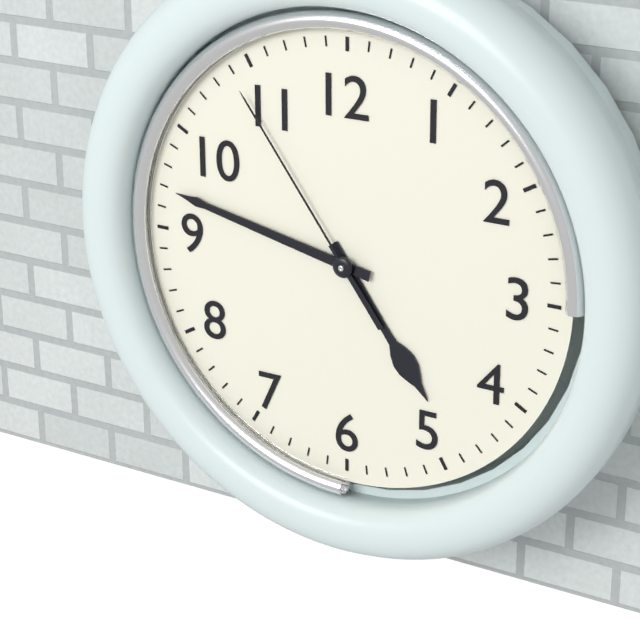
4:47:54
